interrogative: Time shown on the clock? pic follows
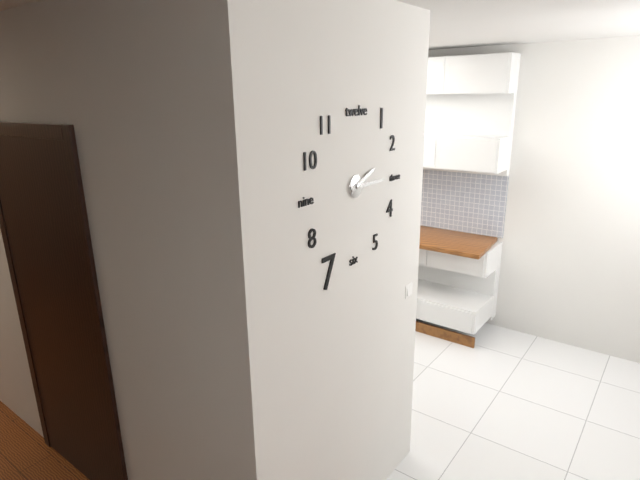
2:15
